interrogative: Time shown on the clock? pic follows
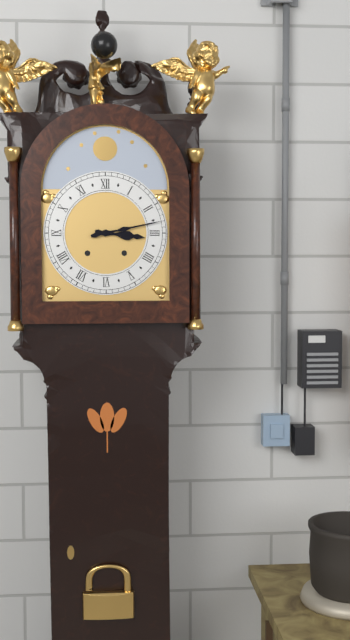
3:13
